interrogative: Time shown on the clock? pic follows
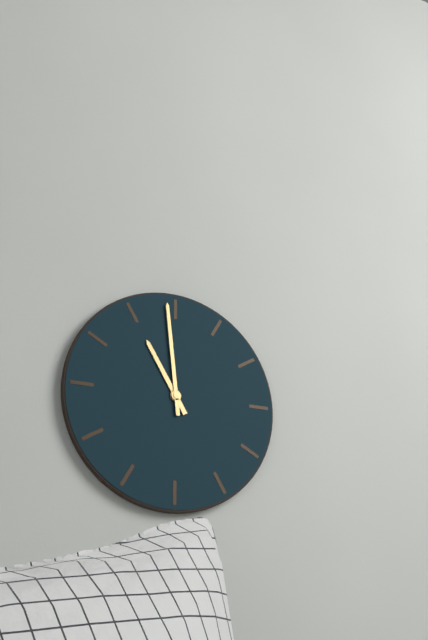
10:59
